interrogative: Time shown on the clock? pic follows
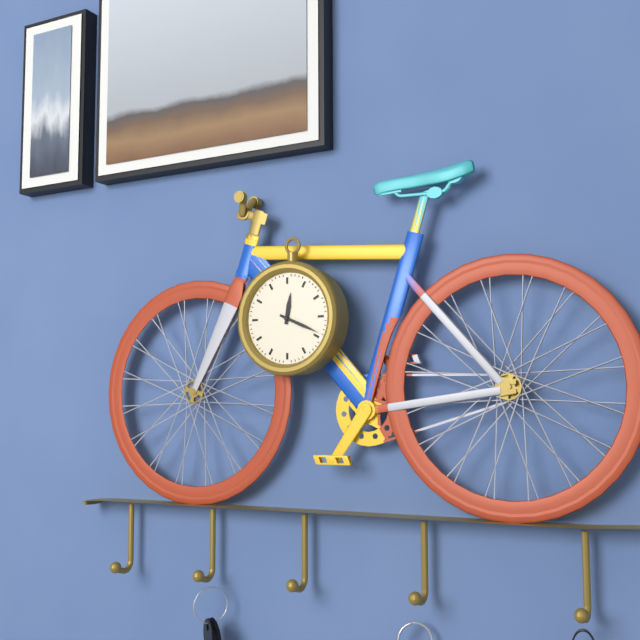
12:19
